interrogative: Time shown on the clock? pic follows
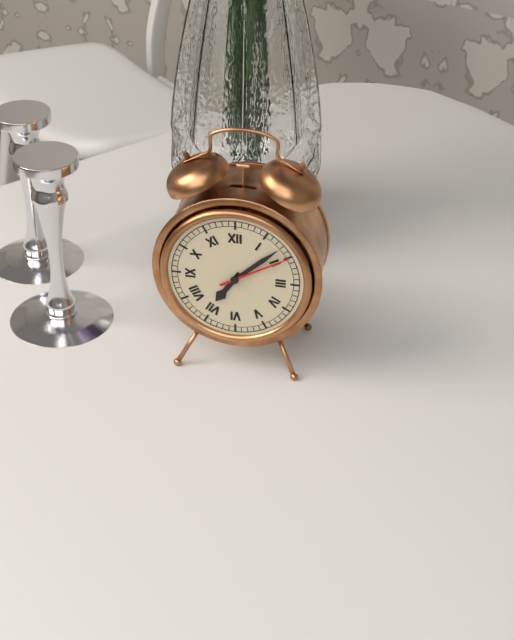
7:08:10
